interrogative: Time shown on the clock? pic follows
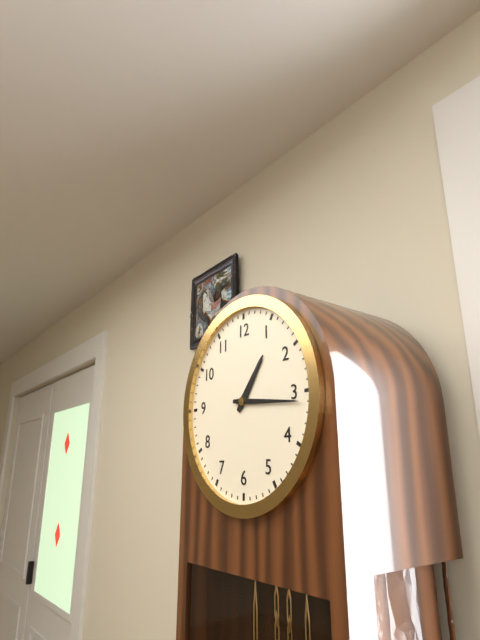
1:16
